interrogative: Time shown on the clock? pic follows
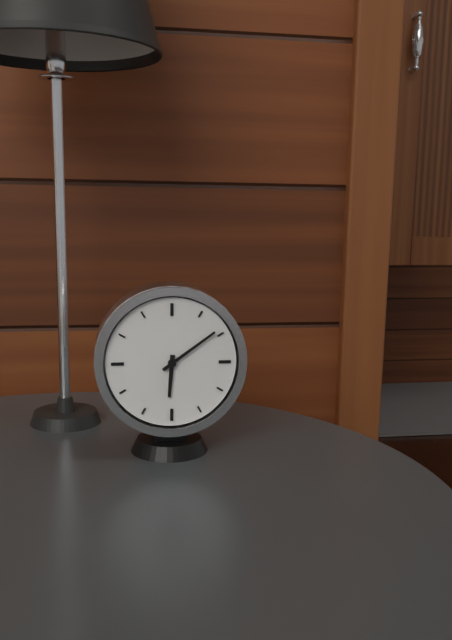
6:09
